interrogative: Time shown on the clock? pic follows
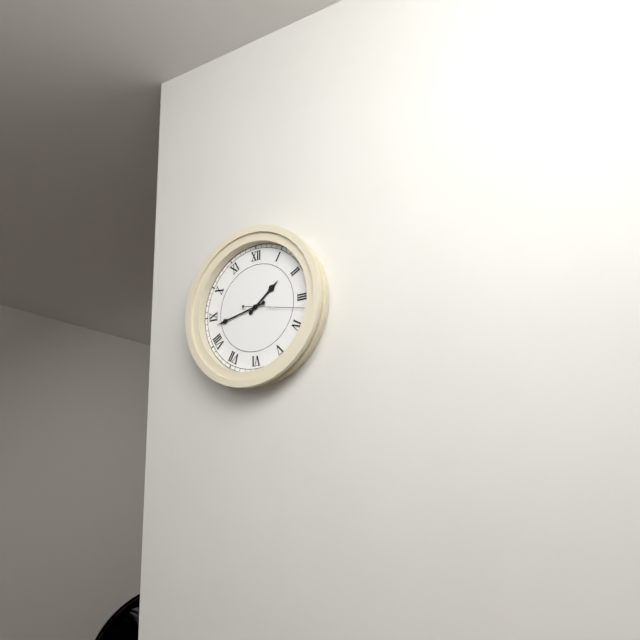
1:43:17
